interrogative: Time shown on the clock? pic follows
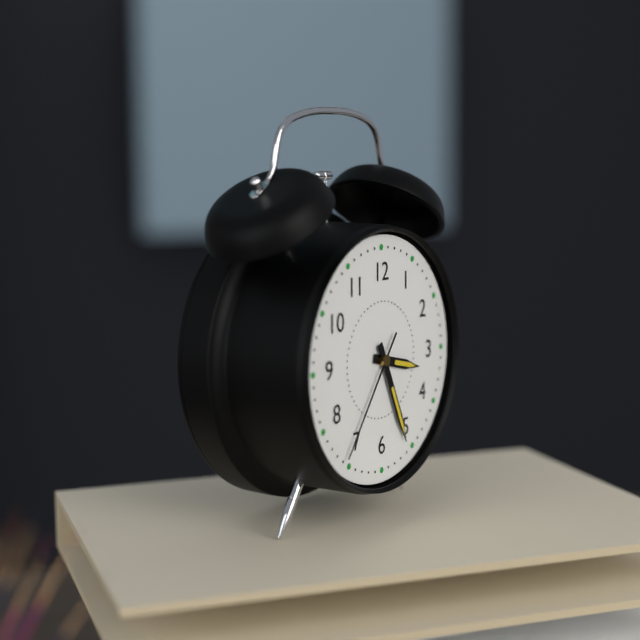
3:26:36
